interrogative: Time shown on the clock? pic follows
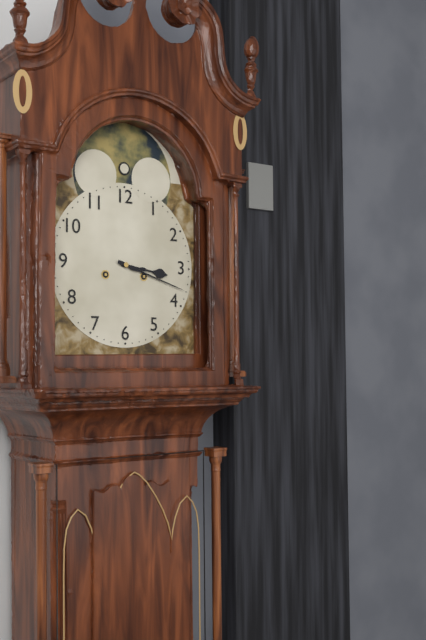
3:18
